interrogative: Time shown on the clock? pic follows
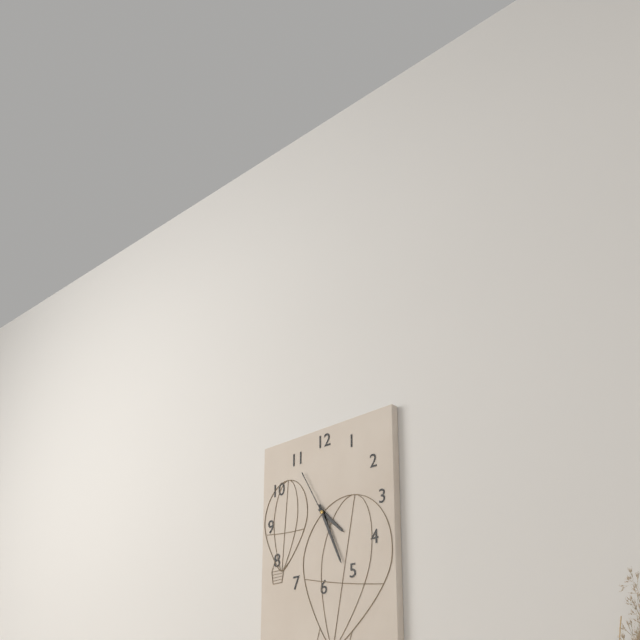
4:26:55
